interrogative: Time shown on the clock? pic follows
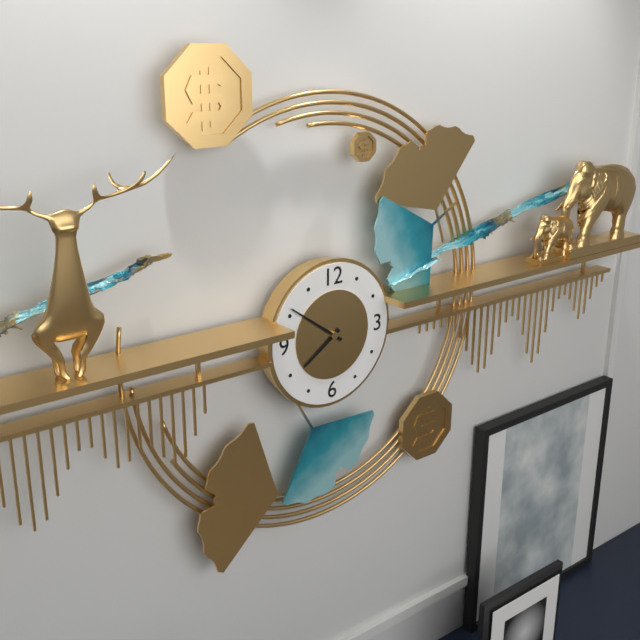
7:51
